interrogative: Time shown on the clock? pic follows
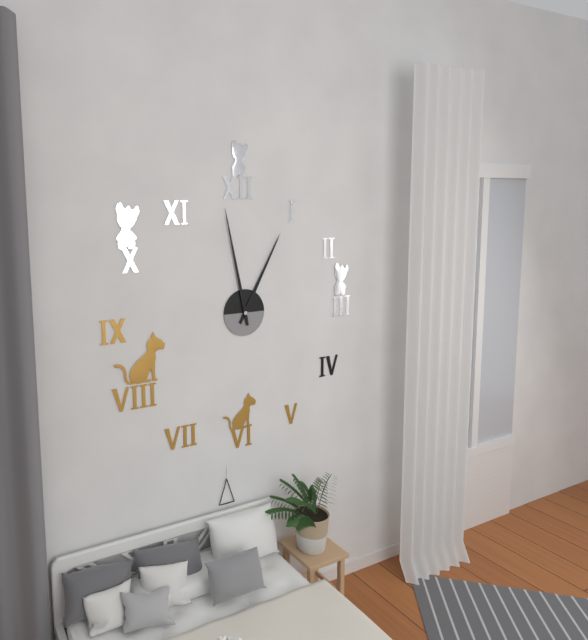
12:58
